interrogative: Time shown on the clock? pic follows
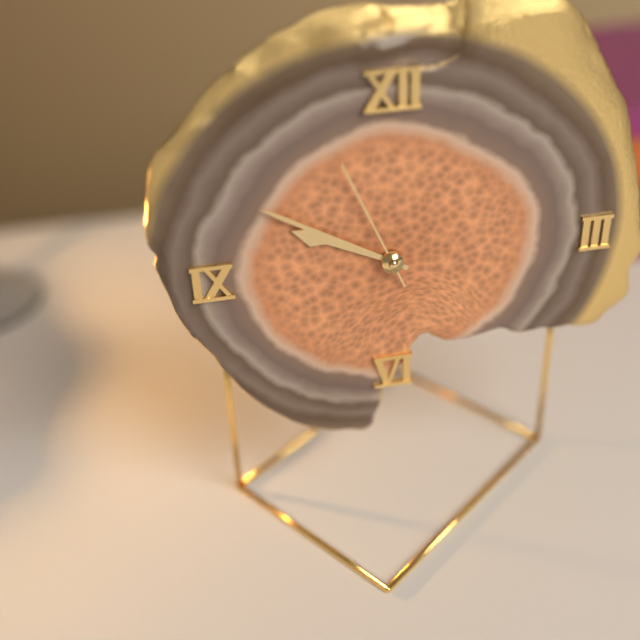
9:50:56
